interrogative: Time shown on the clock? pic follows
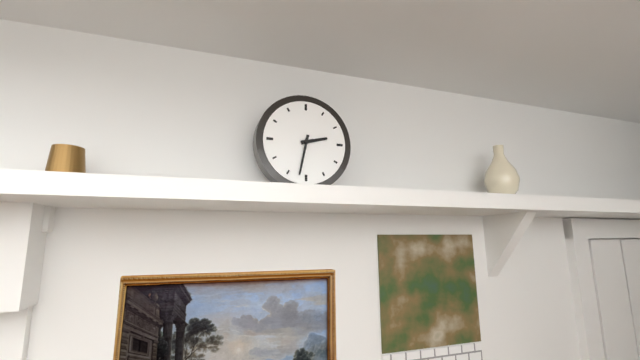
2:32
